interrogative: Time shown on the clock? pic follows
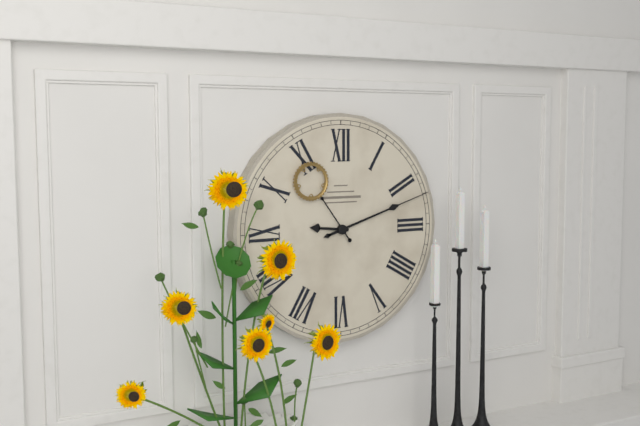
9:12:54
